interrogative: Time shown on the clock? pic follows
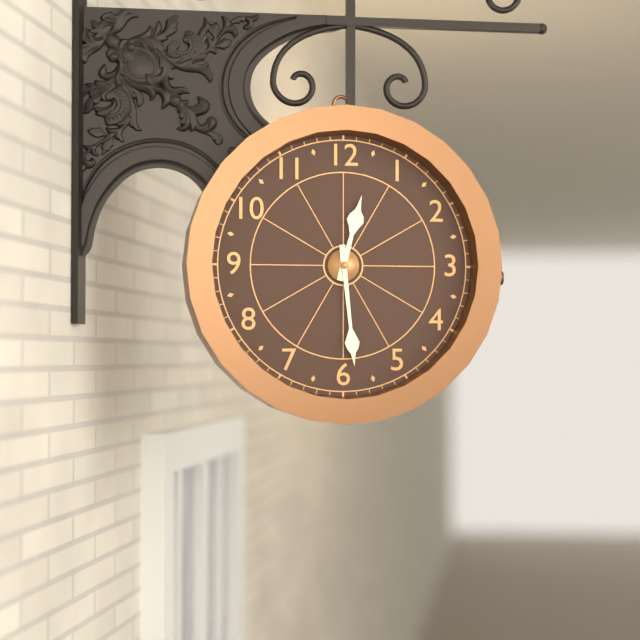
12:29
